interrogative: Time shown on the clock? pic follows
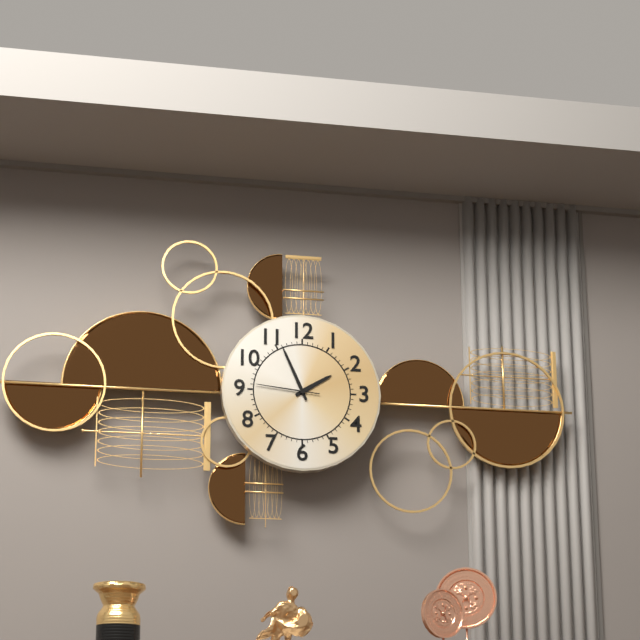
1:56:46
